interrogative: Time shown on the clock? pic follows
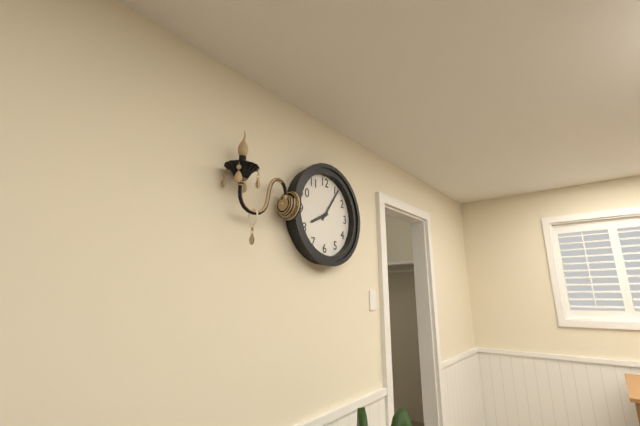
8:06
